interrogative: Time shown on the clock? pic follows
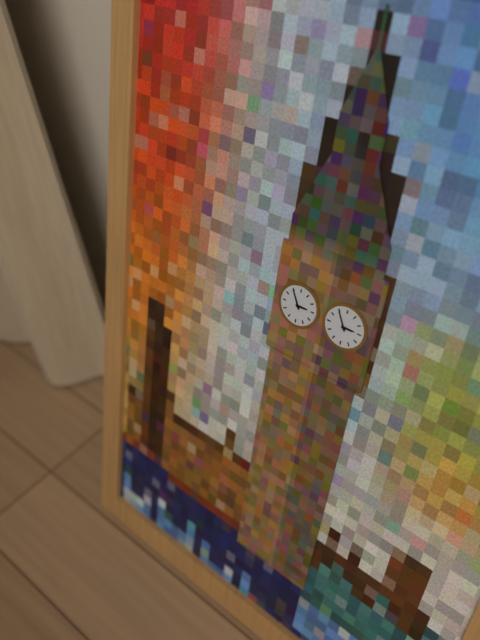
2:55
